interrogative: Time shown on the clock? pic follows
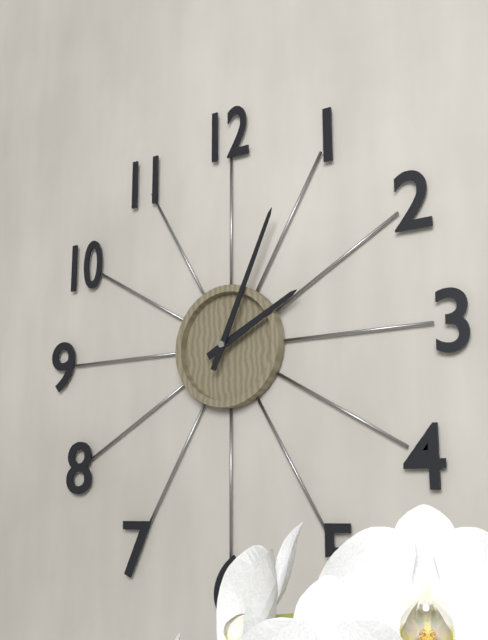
2:04
